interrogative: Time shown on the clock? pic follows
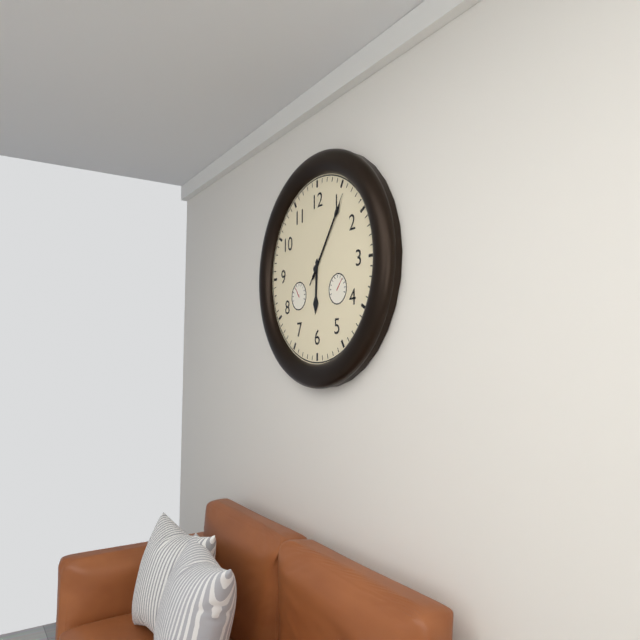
6:06:06
